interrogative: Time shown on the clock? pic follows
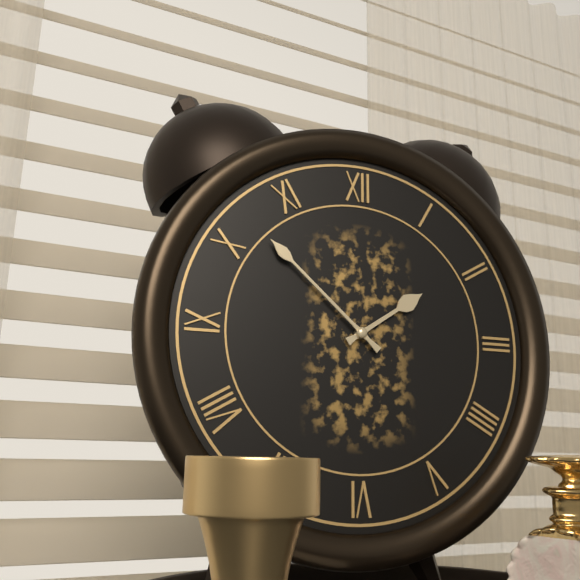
1:52
